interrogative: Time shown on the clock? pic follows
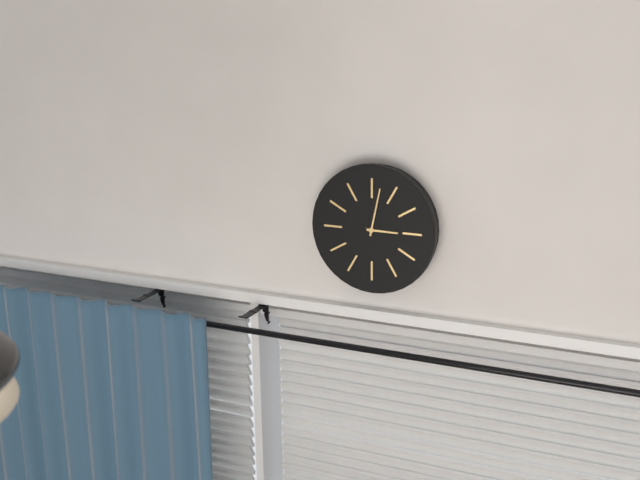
3:02
